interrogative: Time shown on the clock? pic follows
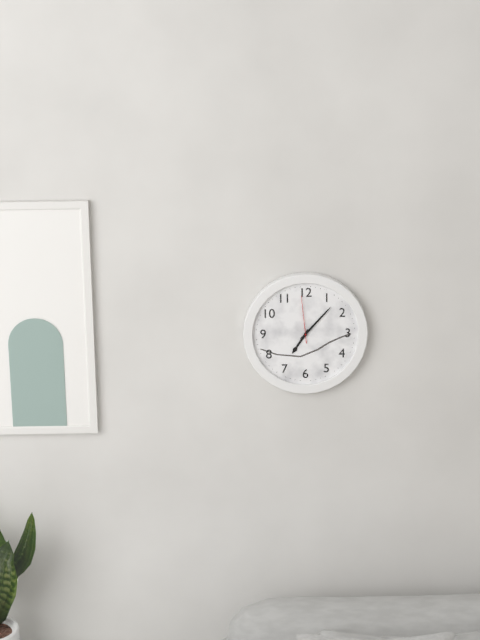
7:07
